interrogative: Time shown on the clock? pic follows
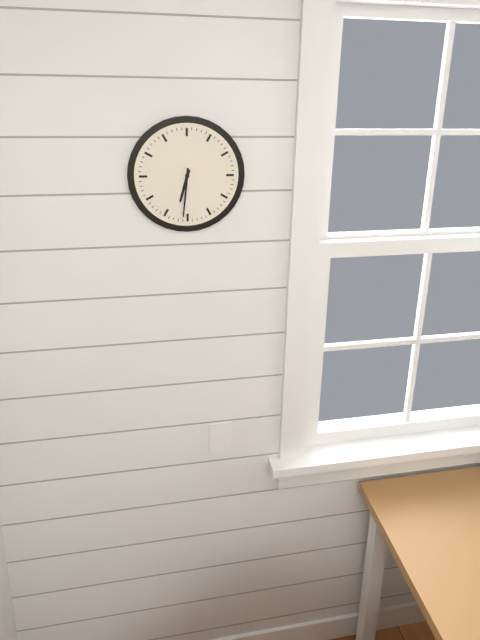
6:31
